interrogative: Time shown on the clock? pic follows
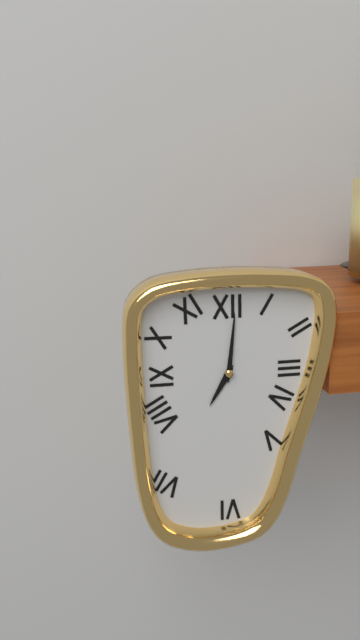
7:01
